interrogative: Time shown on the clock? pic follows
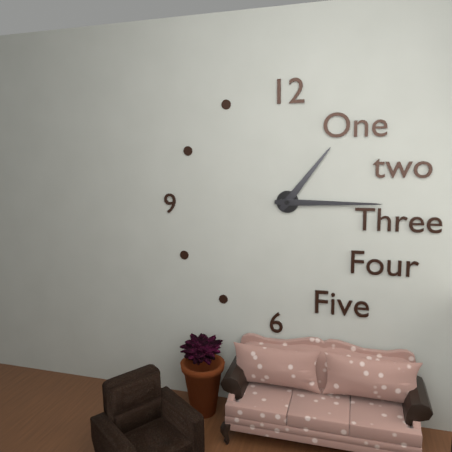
1:15
